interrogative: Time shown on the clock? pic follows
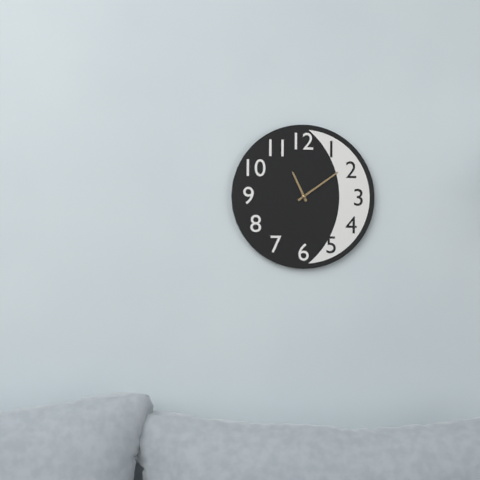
11:09
